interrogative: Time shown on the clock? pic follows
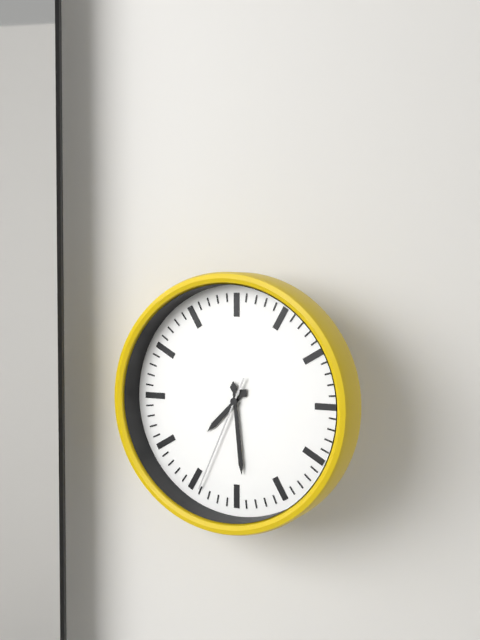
7:29:34
